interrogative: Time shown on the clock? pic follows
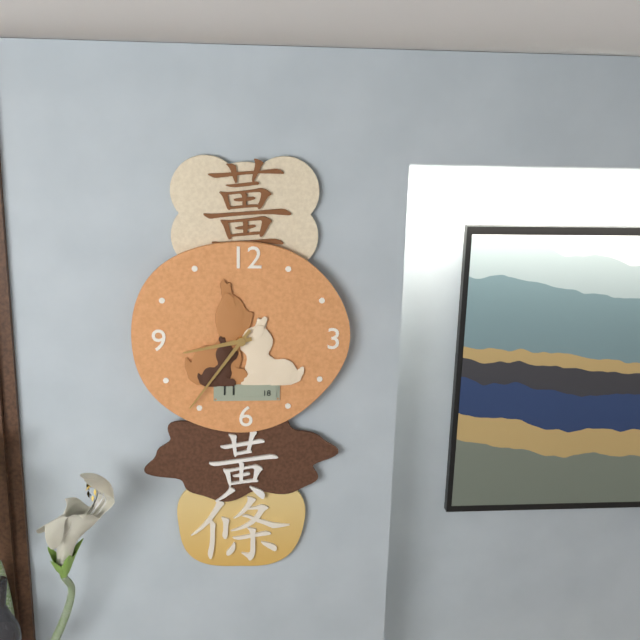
8:36
